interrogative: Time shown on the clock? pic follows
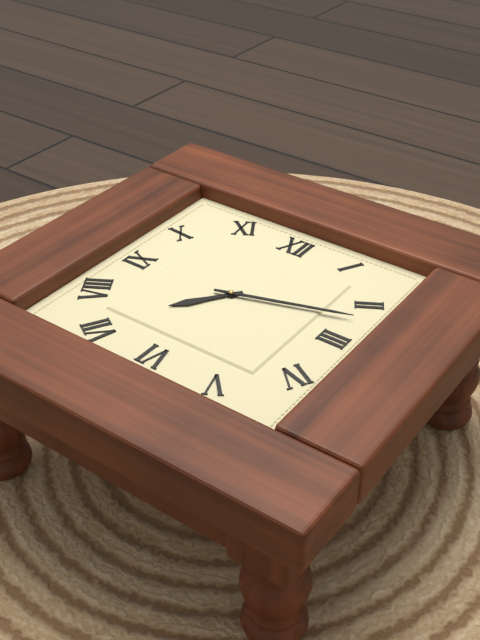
7:12
